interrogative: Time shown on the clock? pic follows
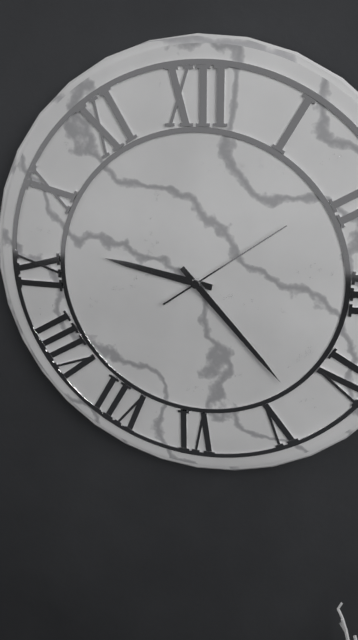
9:23:09
